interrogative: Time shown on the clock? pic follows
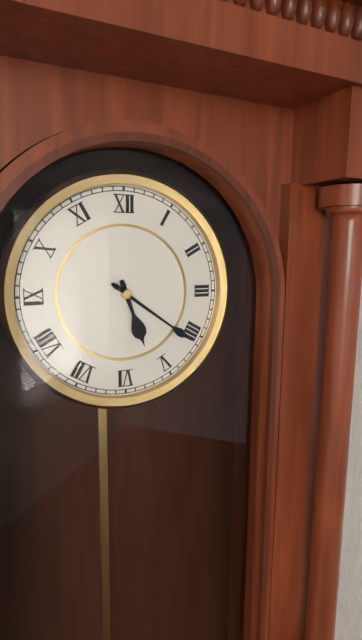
5:21
